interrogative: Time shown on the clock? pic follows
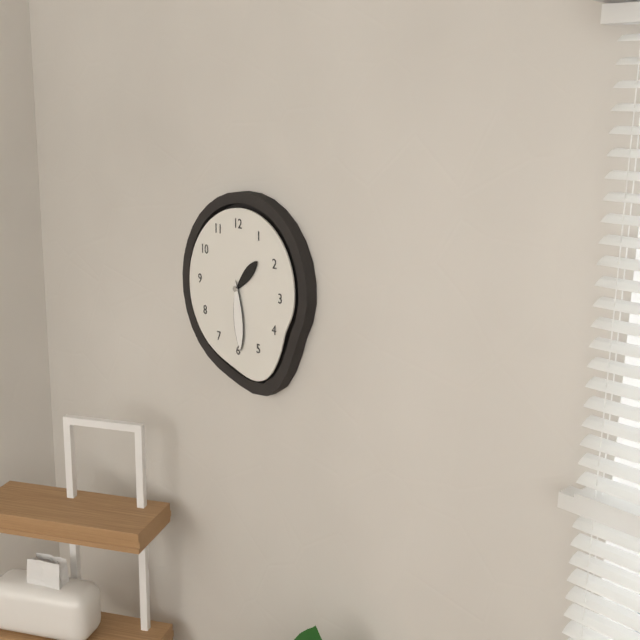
1:29
